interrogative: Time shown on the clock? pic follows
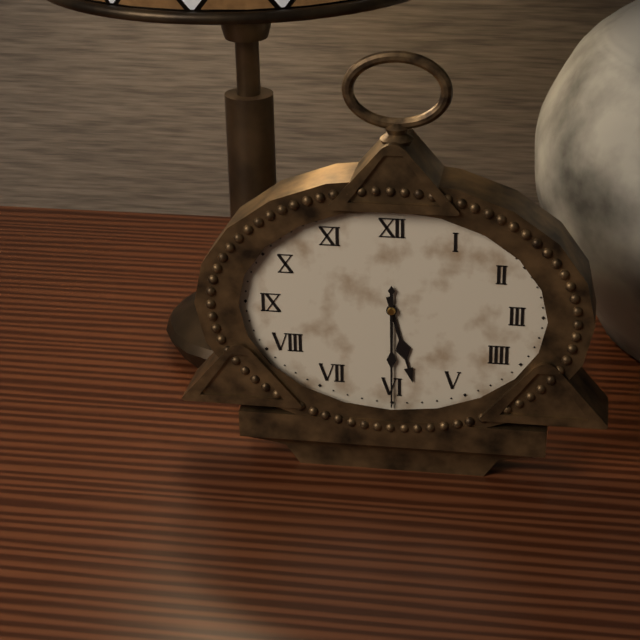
5:30
